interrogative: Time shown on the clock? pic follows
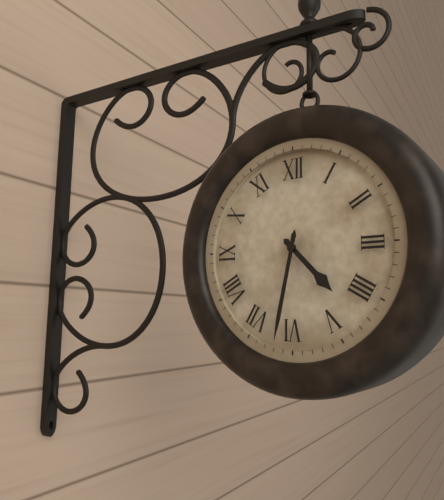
4:32
